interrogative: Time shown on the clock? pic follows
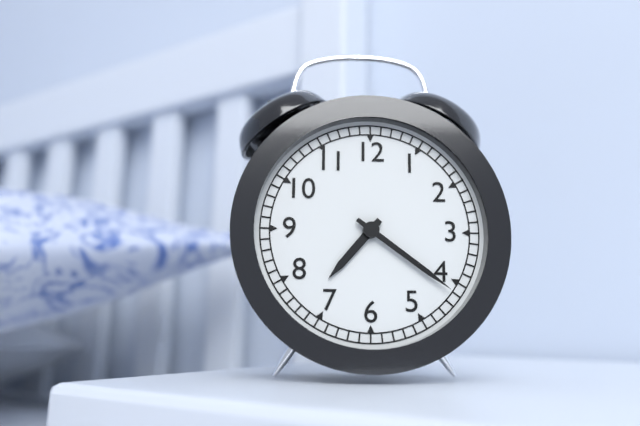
7:21
